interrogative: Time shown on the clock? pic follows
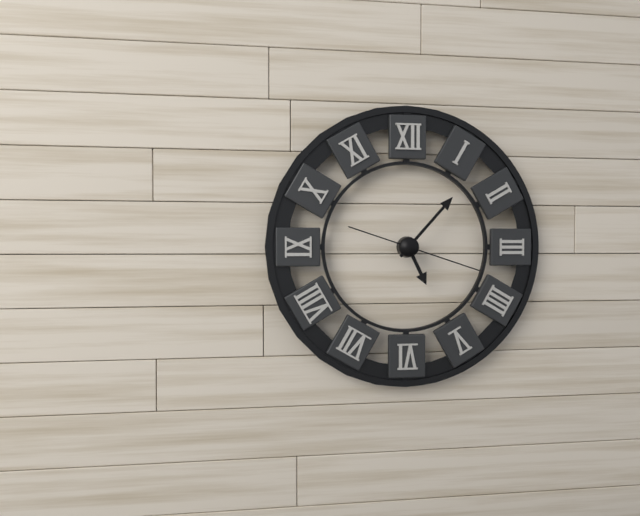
5:07:18
